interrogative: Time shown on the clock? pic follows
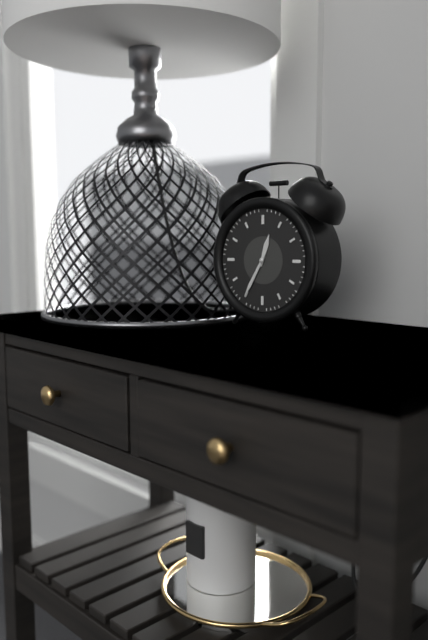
12:35
